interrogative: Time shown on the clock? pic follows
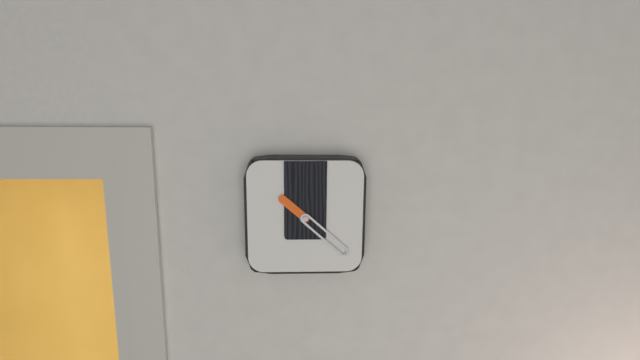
10:22
